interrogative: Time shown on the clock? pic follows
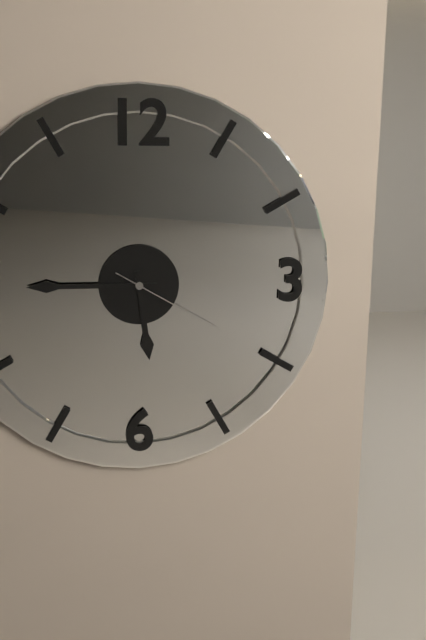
5:45:20
